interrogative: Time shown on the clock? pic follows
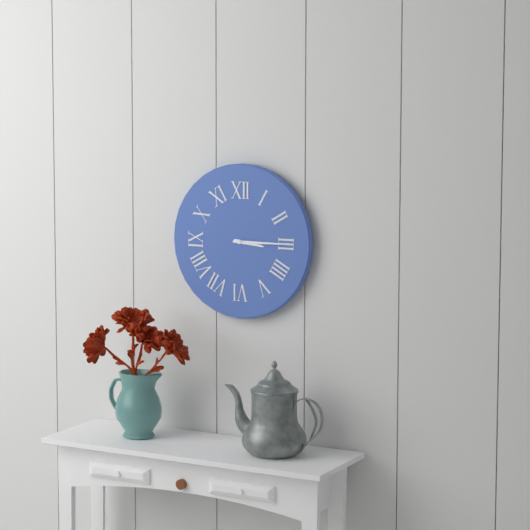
3:15
